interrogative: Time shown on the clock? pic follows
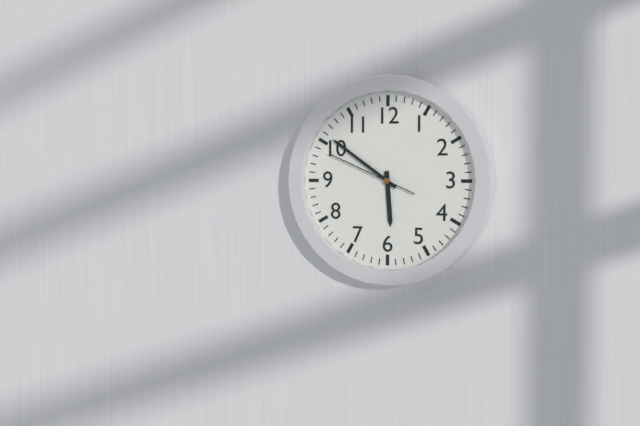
5:51:49
